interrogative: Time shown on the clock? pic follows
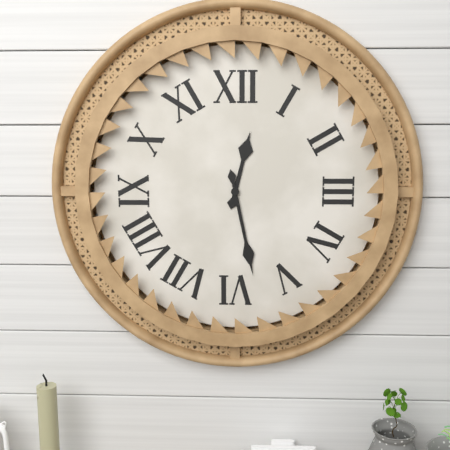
12:28
